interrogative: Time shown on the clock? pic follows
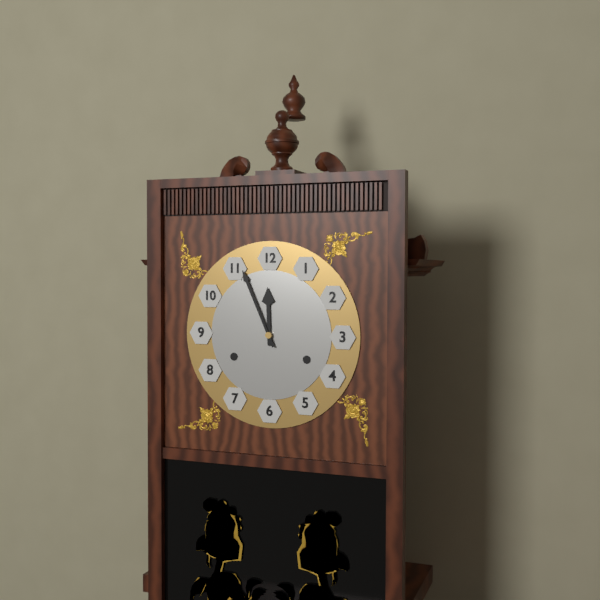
11:56
